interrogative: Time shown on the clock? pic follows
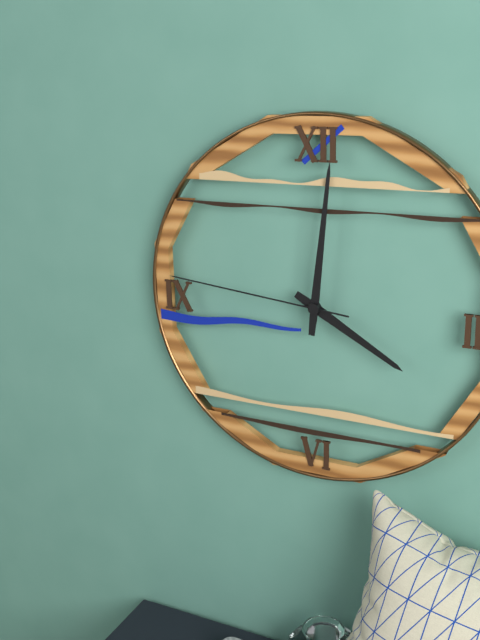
4:01:46
